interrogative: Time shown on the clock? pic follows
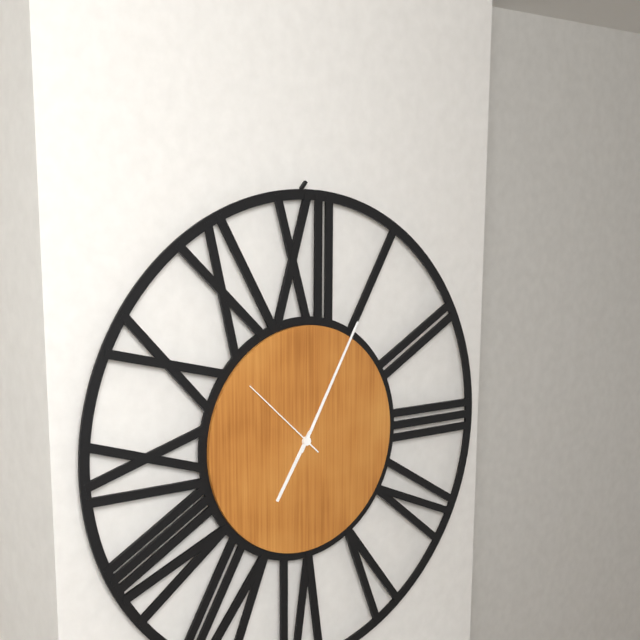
7:05:52
